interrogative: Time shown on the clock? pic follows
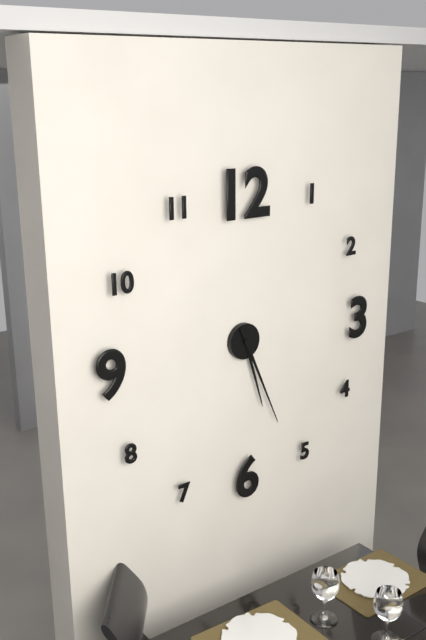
5:26
